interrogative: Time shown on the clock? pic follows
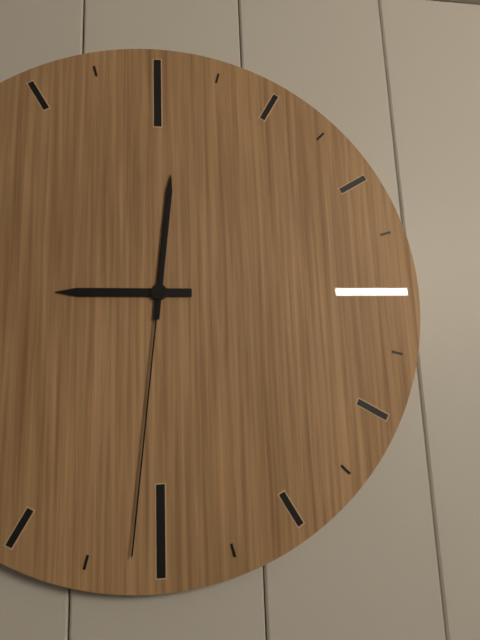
9:01:31
